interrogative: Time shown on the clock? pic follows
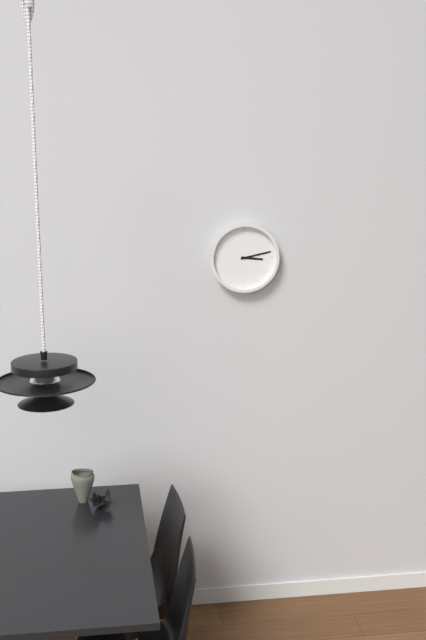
3:13
